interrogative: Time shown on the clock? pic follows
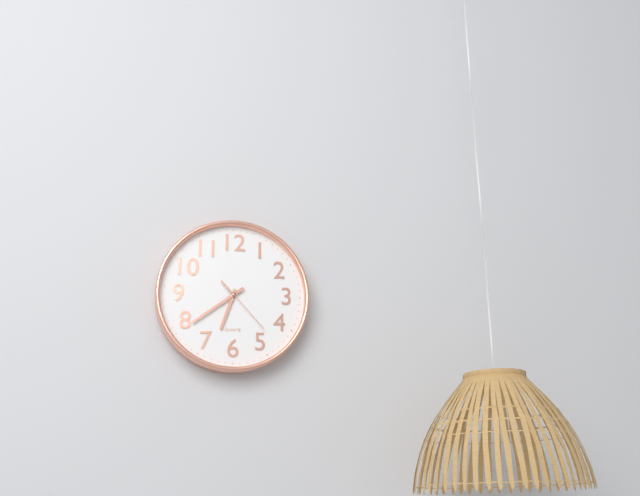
6:39:23
